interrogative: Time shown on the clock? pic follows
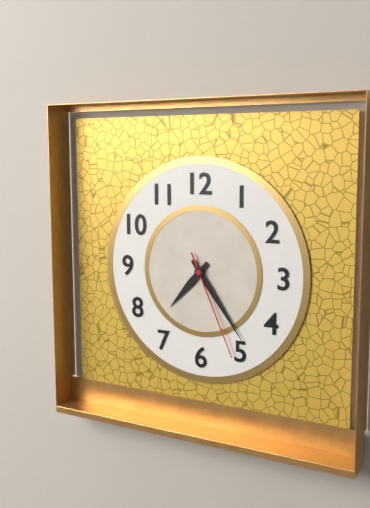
7:24:26
